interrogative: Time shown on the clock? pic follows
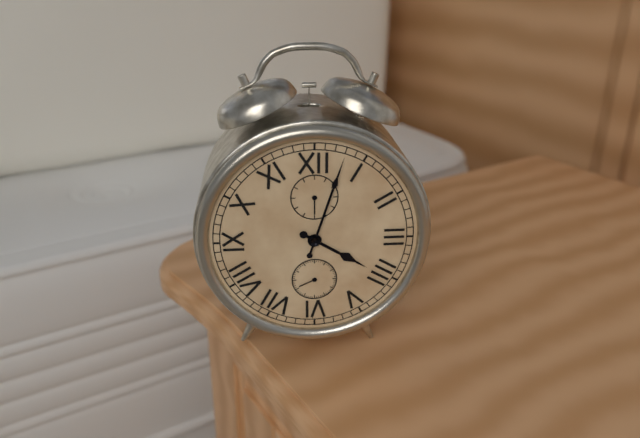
4:03
